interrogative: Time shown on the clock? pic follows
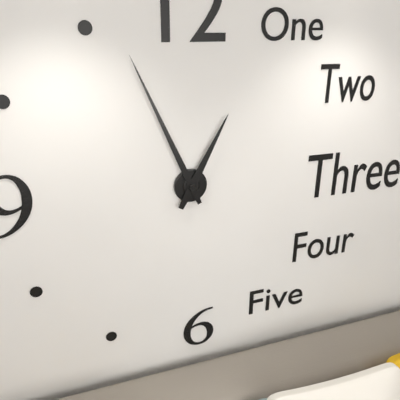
12:56
